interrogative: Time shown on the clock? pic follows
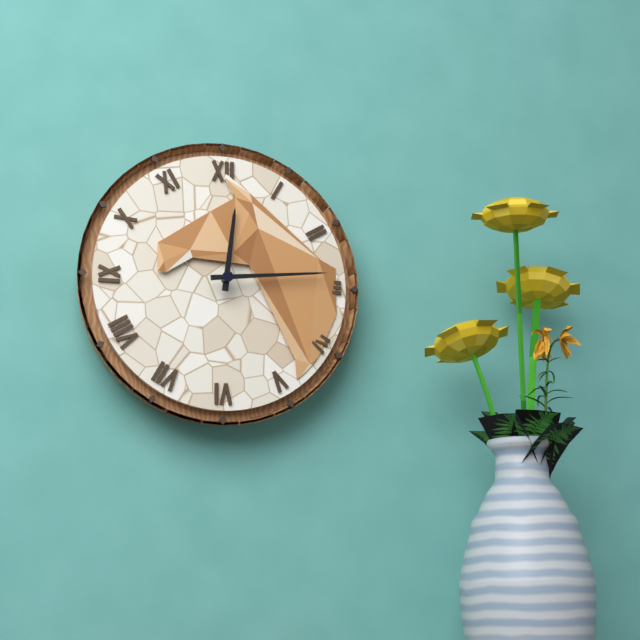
12:14
